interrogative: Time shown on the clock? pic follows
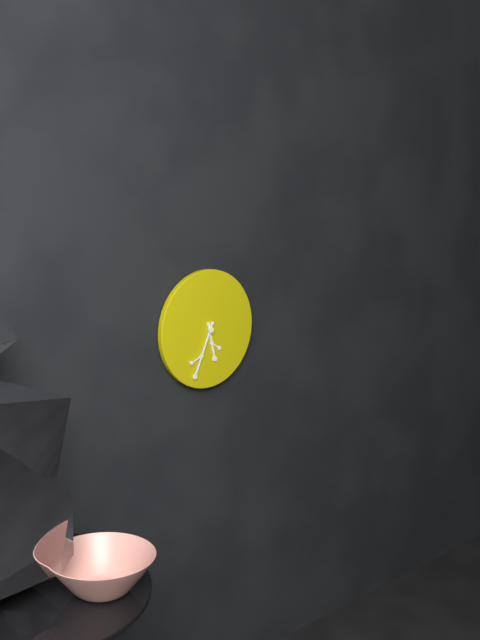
5:34
